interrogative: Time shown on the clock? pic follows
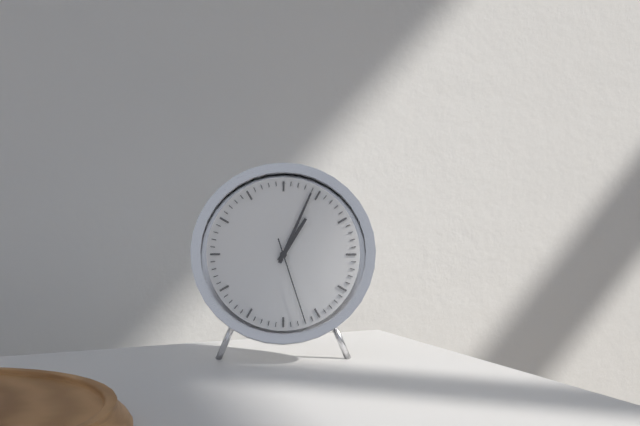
1:04:27
